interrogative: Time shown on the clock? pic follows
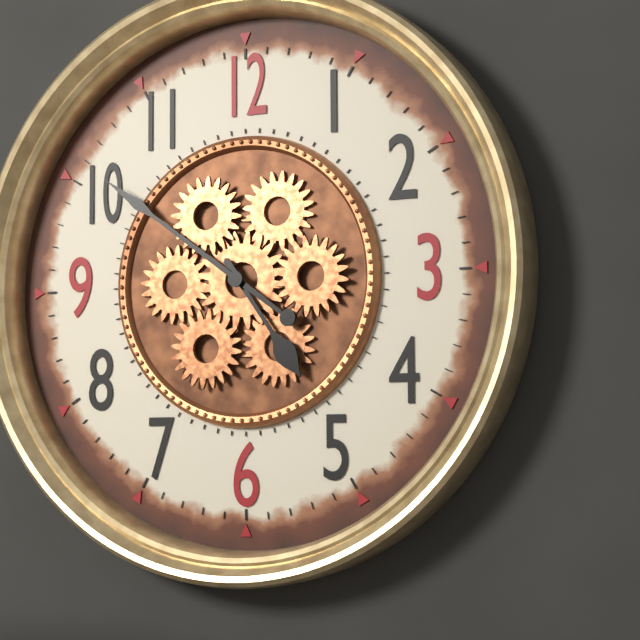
4:51
